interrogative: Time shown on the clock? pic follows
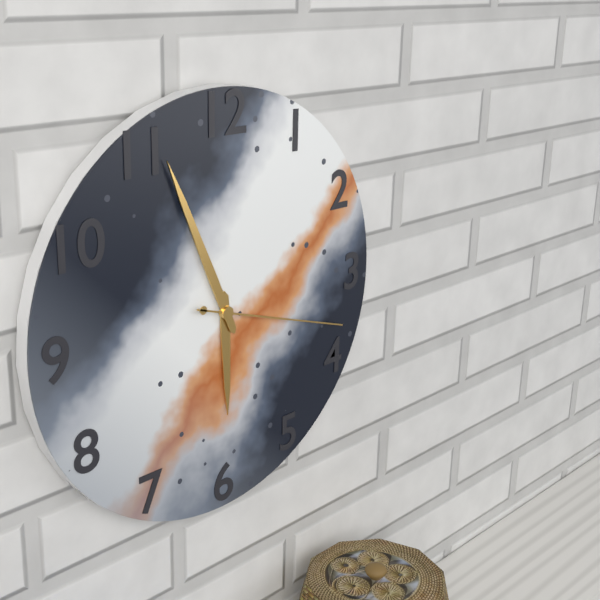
5:56:18
